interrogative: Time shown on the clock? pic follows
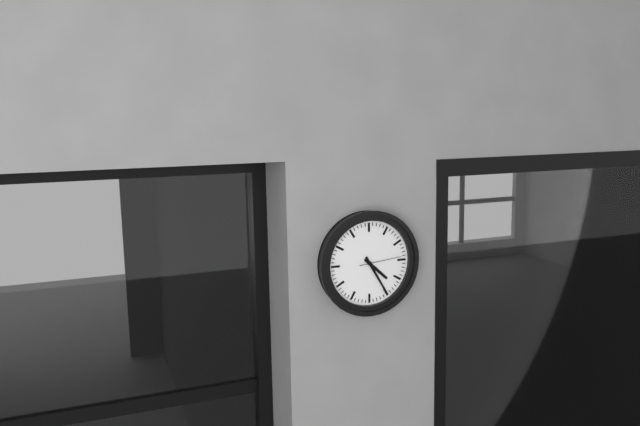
4:25
